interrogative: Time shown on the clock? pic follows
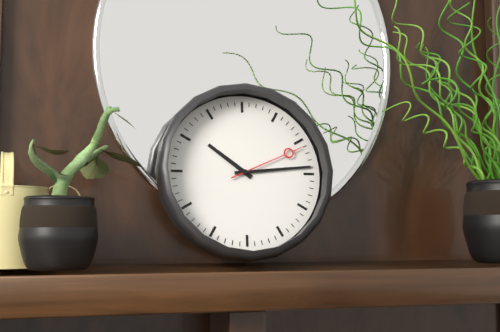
10:14:11
